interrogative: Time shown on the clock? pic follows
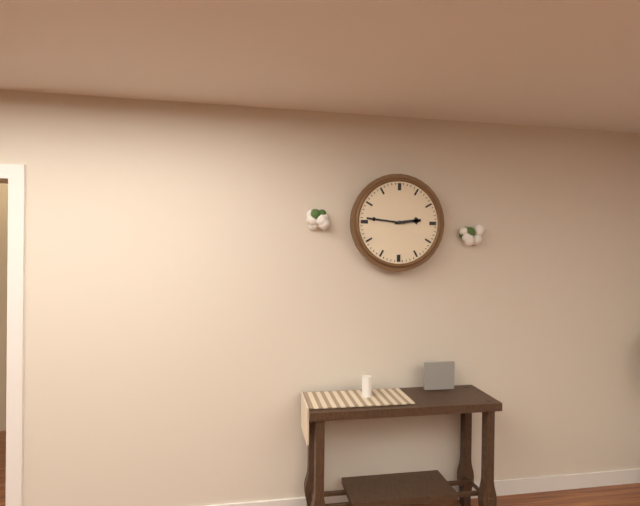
2:46
